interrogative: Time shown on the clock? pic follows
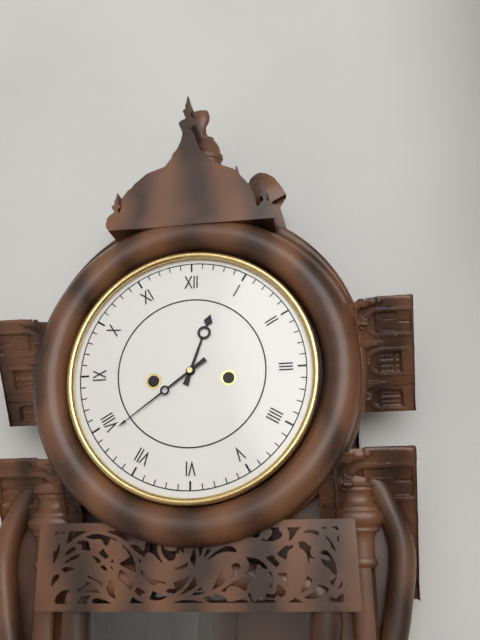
12:39
